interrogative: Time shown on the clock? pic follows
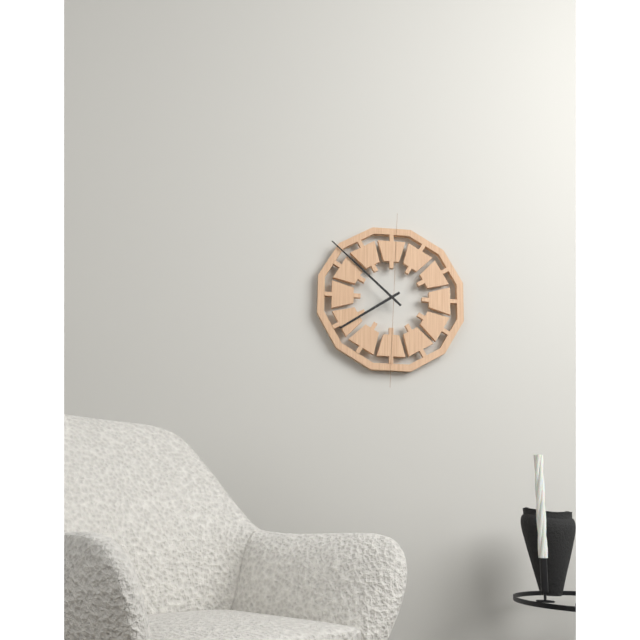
7:52
